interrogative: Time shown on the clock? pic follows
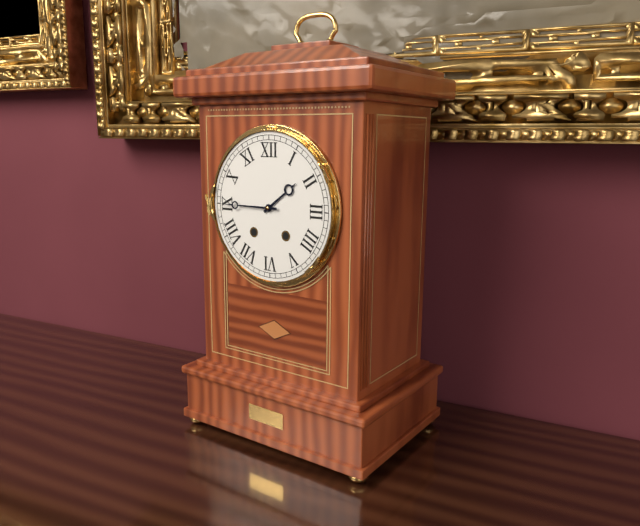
1:45
